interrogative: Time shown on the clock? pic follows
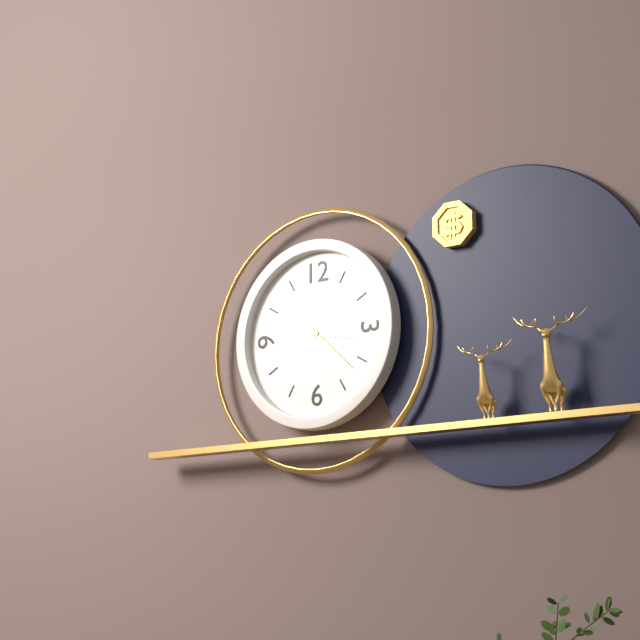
3:22
